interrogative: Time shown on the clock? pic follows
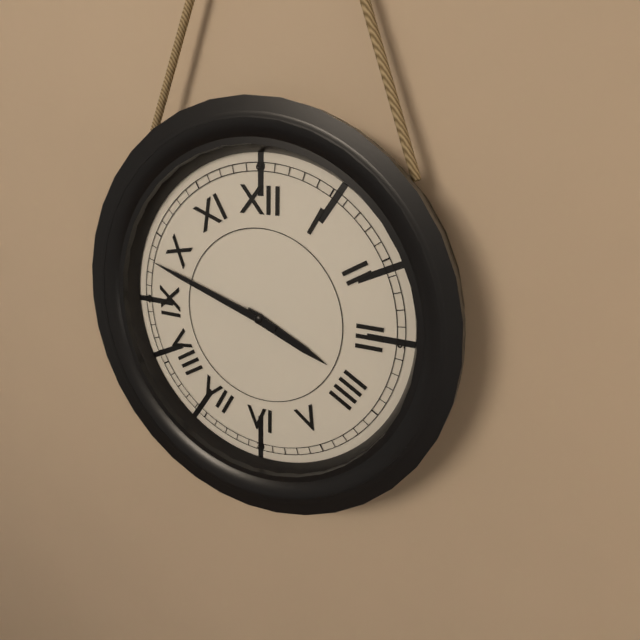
3:48
